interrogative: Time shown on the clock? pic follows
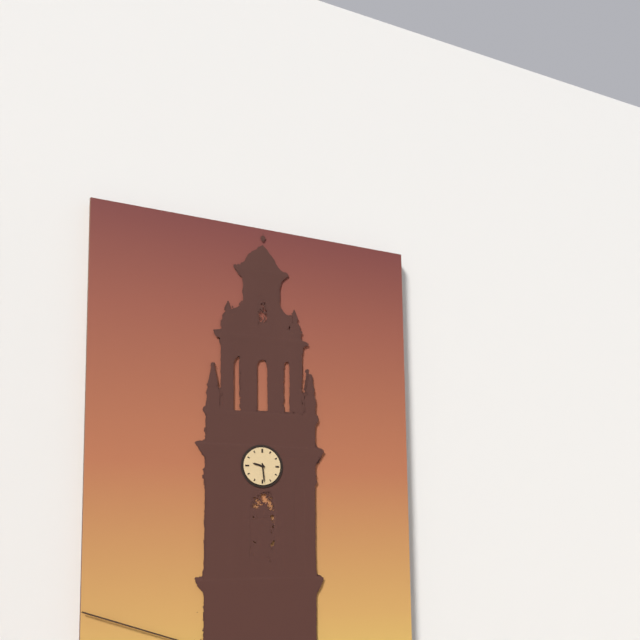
9:29
